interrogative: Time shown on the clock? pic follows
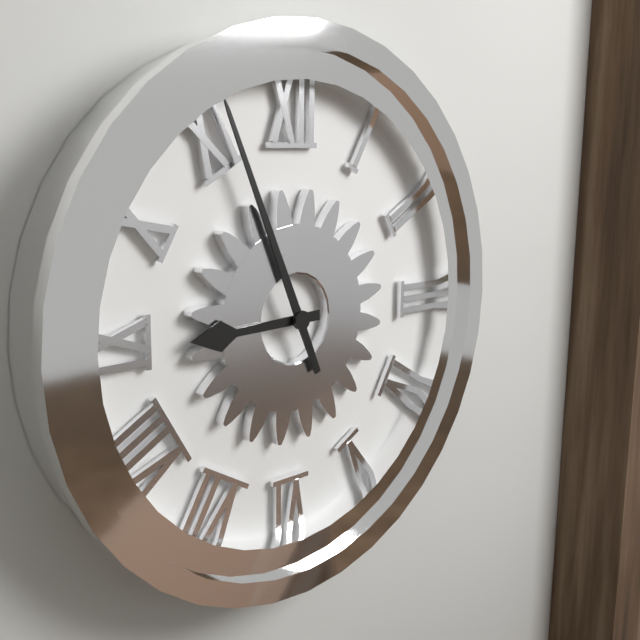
8:56
